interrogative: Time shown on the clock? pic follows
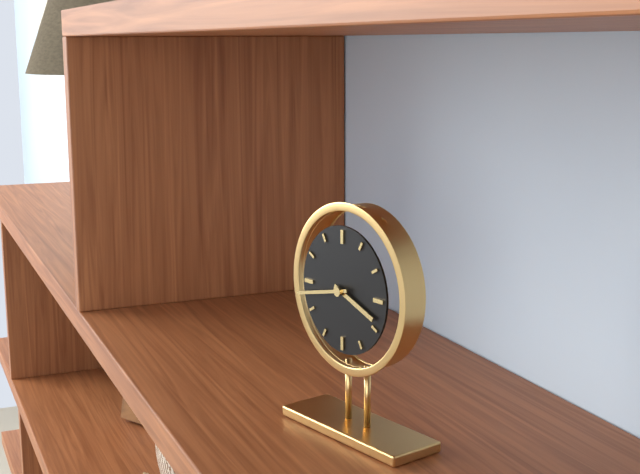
3:43
